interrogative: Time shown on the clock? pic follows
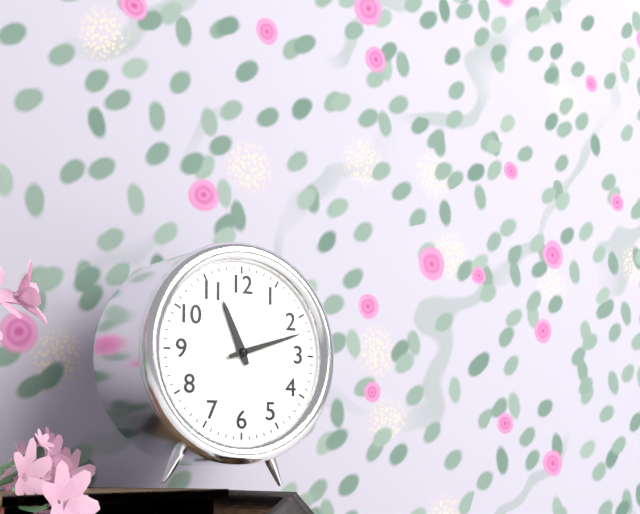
11:12
